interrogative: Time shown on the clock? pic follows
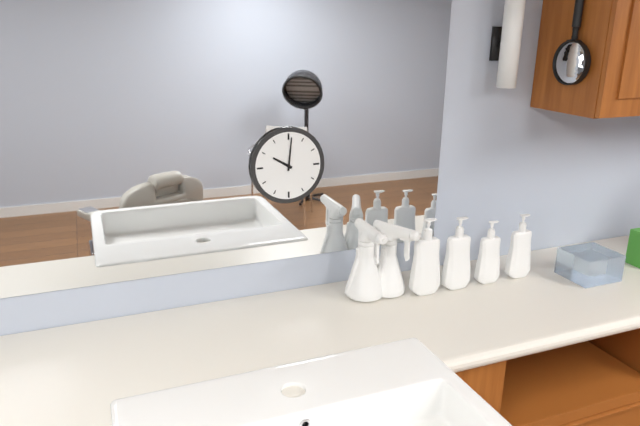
10:01
